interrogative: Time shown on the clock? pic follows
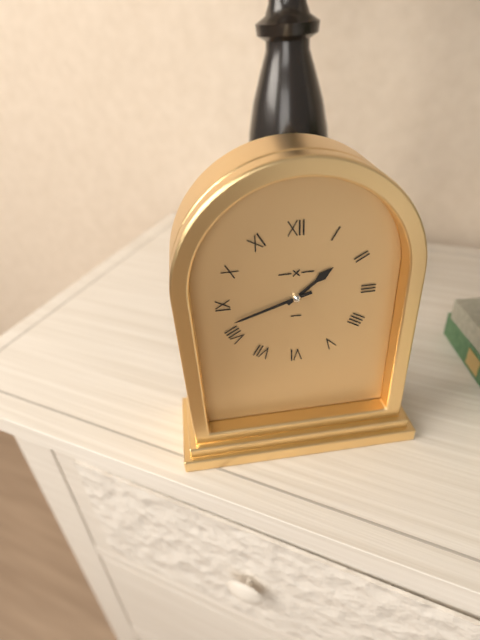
1:42
